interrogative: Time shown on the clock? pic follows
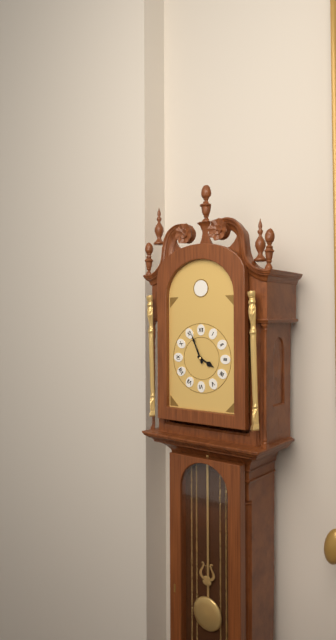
3:56
